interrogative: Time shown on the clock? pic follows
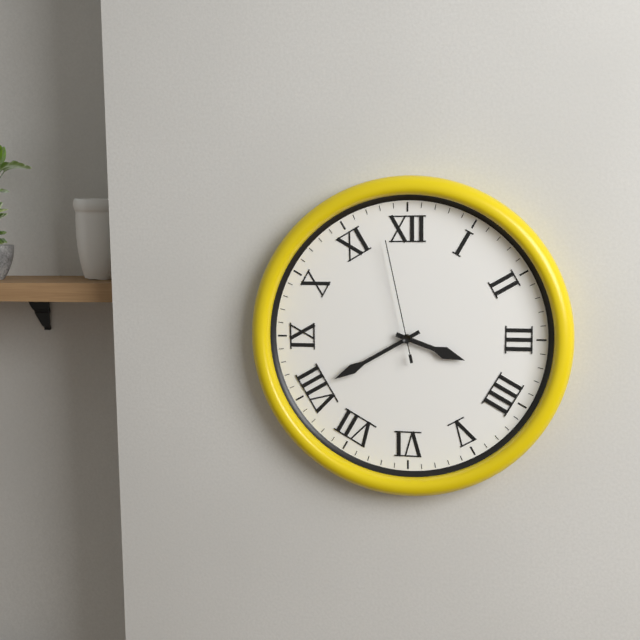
3:40:58
